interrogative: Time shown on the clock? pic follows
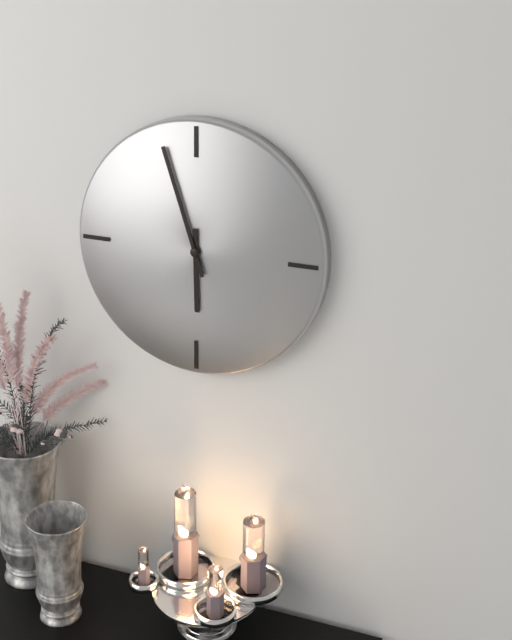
5:57
